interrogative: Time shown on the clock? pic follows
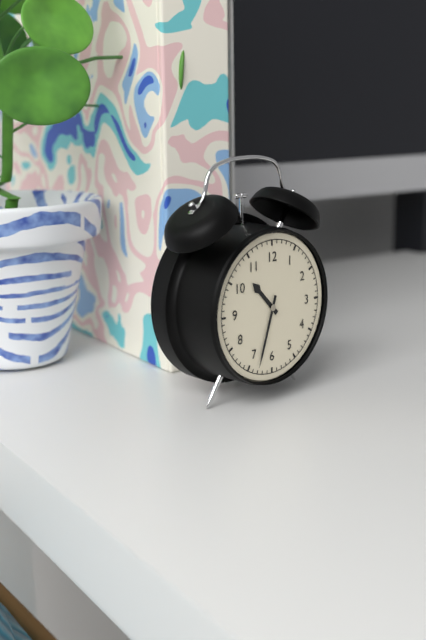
10:33
